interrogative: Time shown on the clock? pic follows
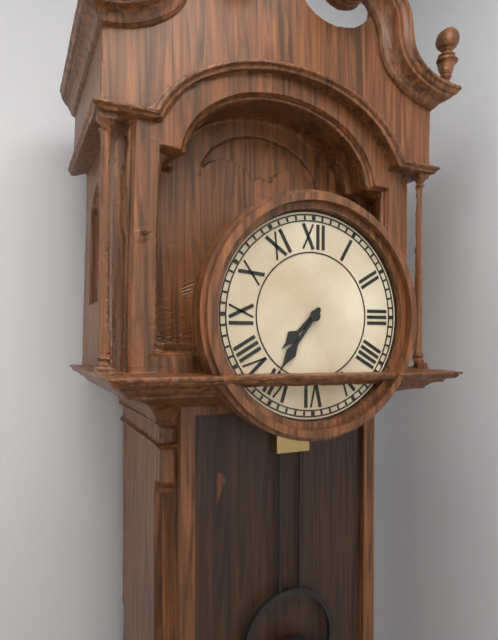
7:36
